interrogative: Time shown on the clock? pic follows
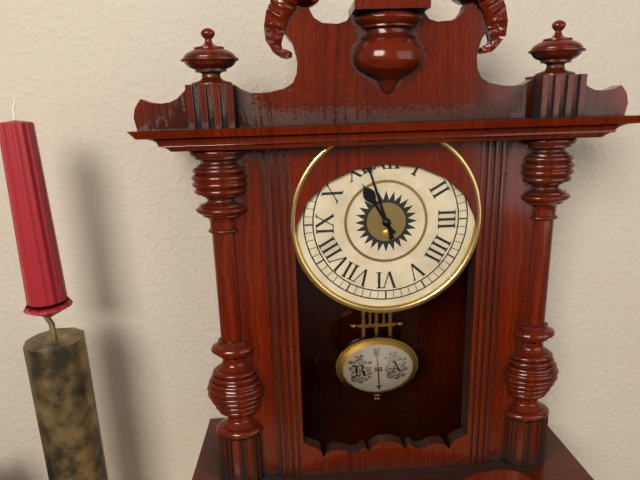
10:57
